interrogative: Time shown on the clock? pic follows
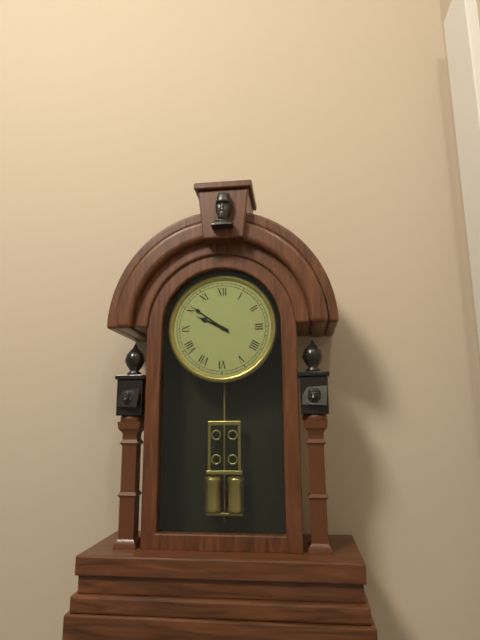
9:51
